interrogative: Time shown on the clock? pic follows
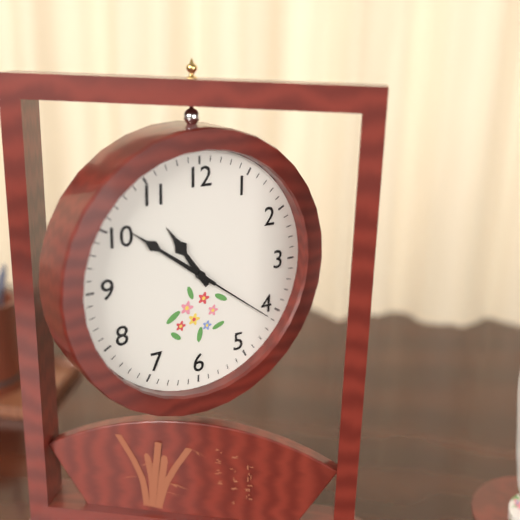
10:51:21
